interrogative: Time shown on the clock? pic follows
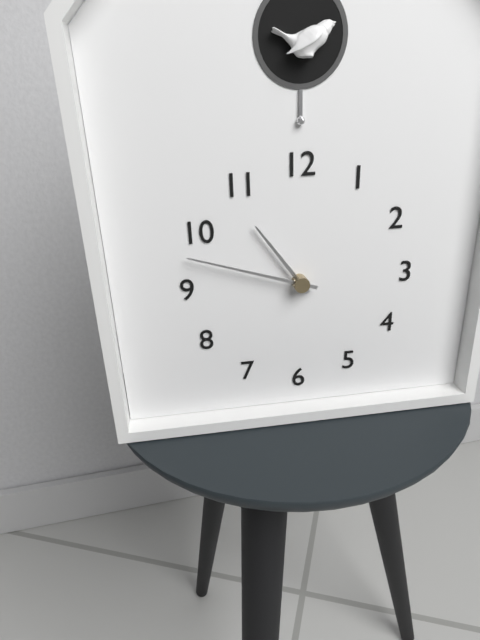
10:48
